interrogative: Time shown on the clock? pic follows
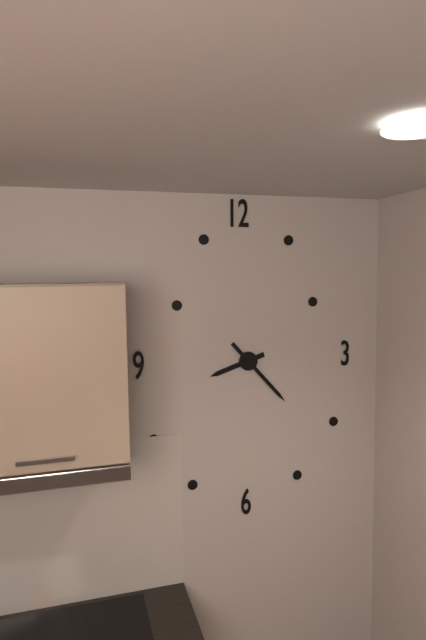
8:23
